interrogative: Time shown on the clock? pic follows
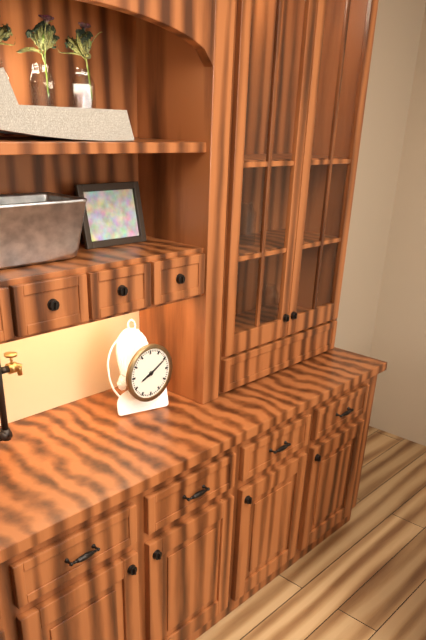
8:10
